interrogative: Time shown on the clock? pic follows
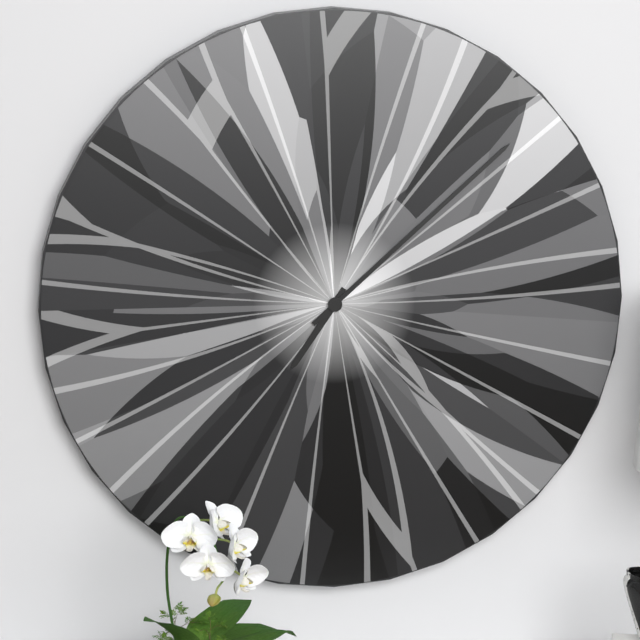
7:08
